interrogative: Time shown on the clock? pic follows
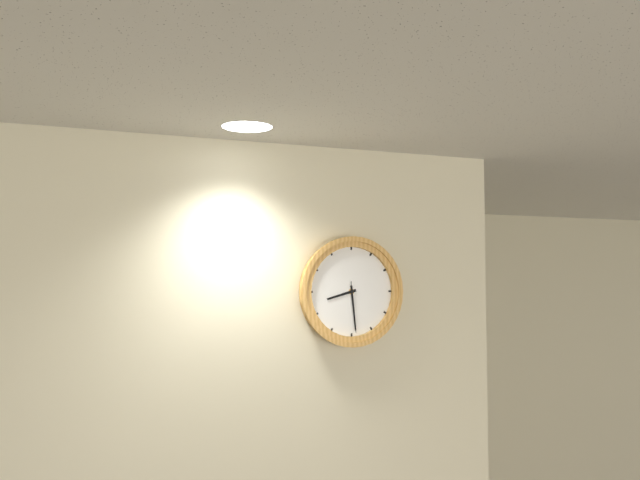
8:29:29
